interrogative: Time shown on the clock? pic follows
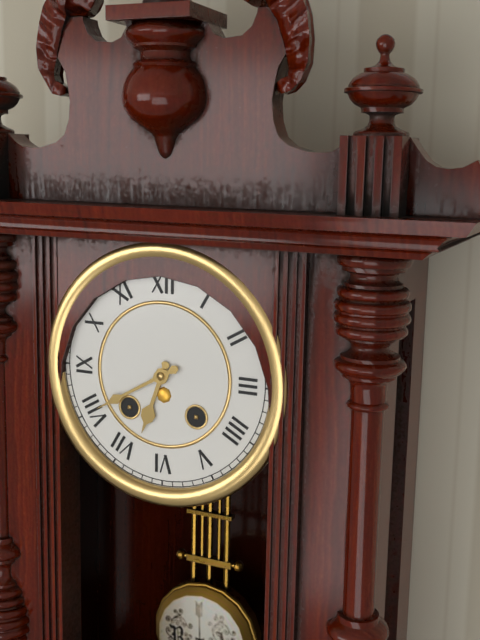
6:40
